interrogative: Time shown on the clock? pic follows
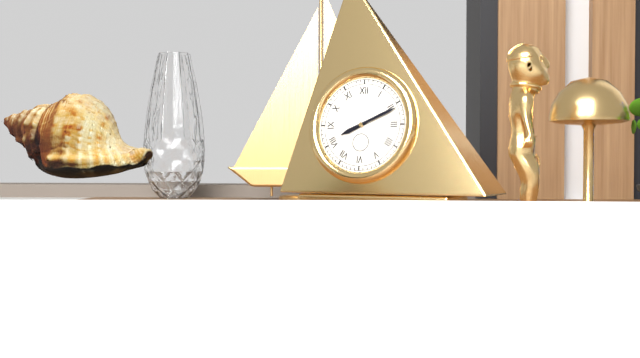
8:11
